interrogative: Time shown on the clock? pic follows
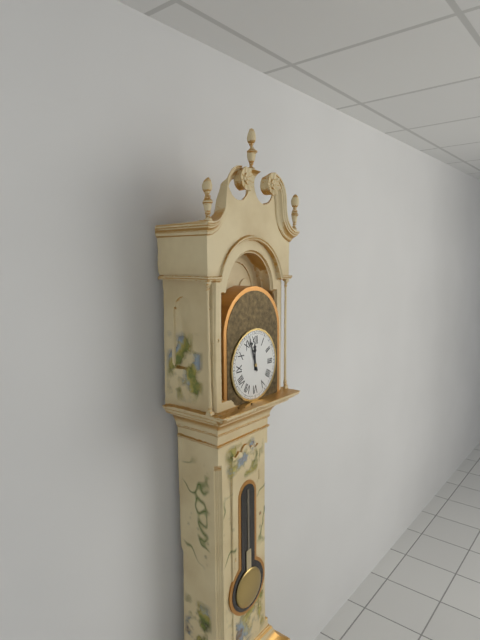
11:57
